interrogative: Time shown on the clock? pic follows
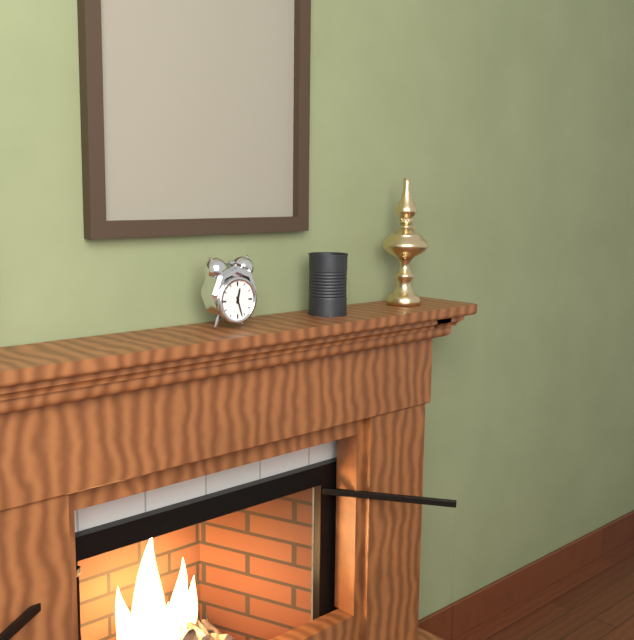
12:27
